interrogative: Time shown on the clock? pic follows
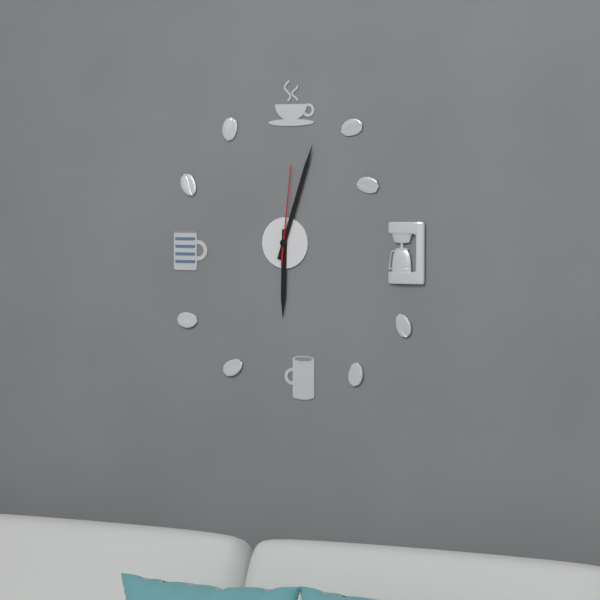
6:03:01
